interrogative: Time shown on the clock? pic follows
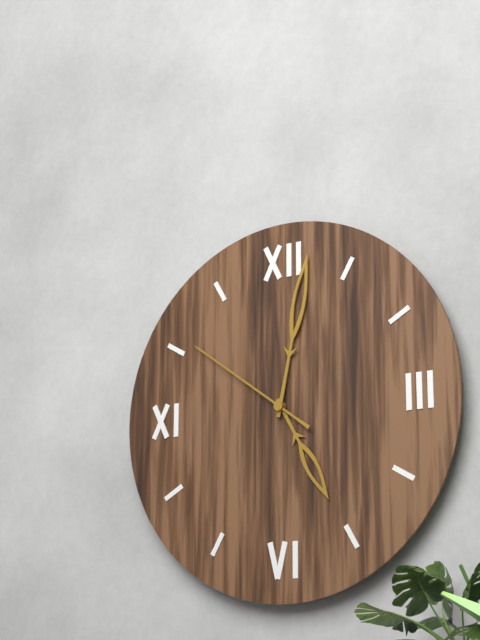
5:02:51
